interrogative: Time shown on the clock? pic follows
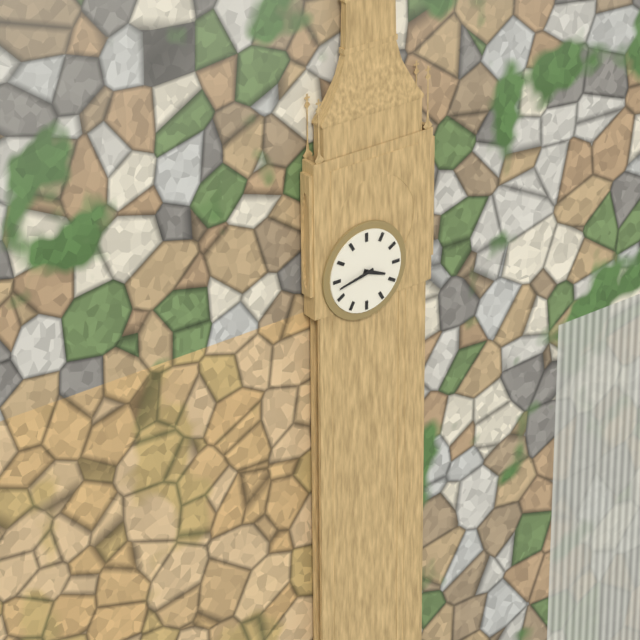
3:43
